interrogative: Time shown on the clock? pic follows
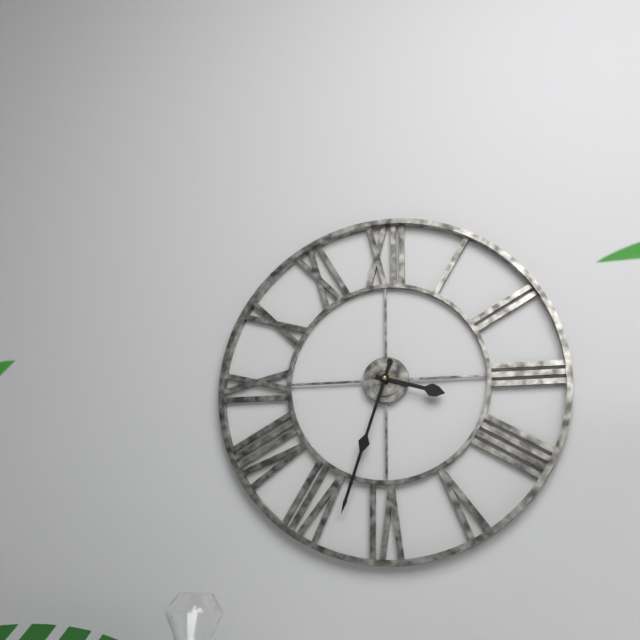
3:33
